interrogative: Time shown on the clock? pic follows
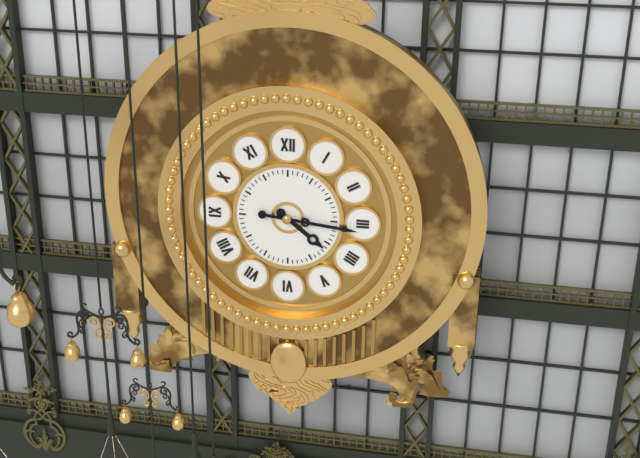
4:16
